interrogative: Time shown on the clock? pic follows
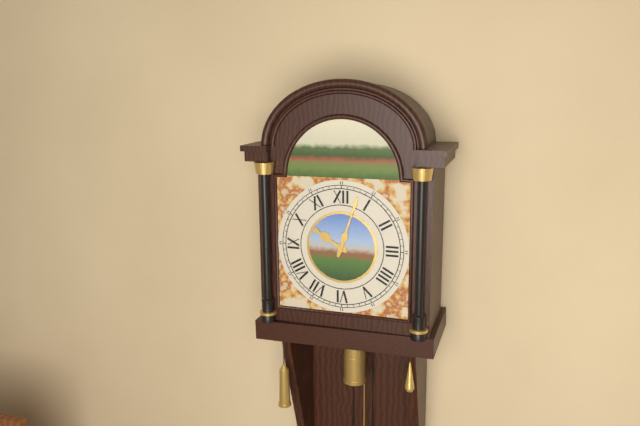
10:03
